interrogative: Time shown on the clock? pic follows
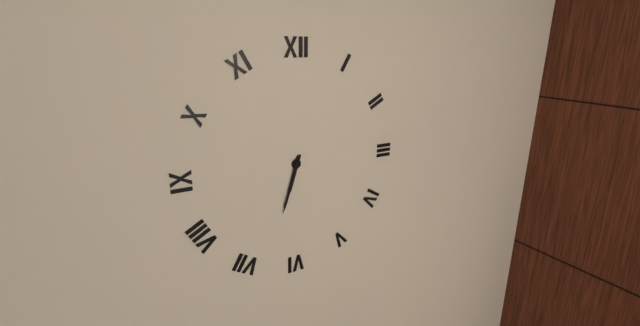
6:33
